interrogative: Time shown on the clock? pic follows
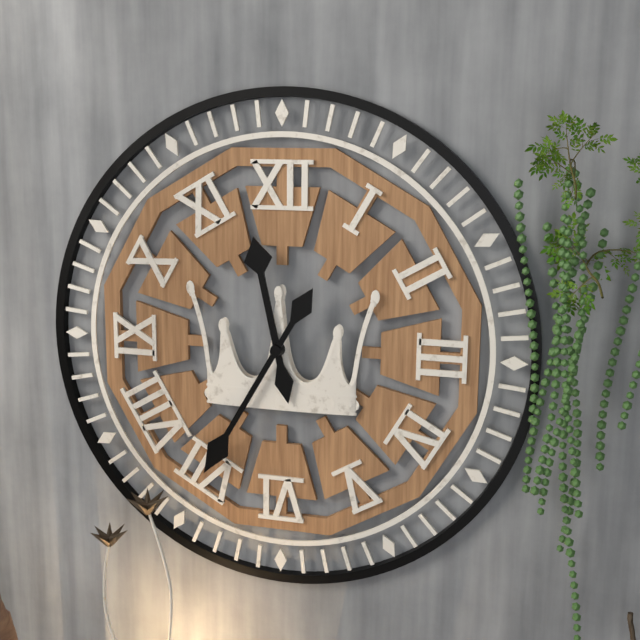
11:35
